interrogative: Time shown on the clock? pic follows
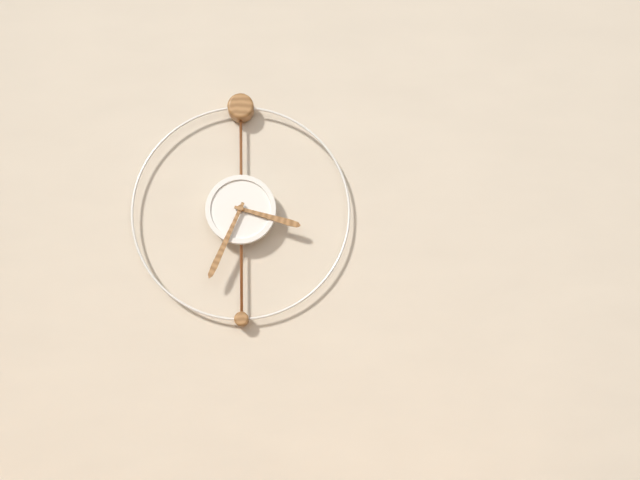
3:34
